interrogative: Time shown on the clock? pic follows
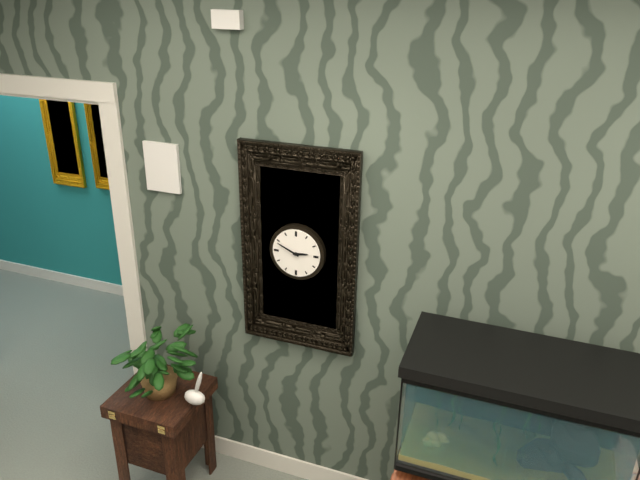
2:49
